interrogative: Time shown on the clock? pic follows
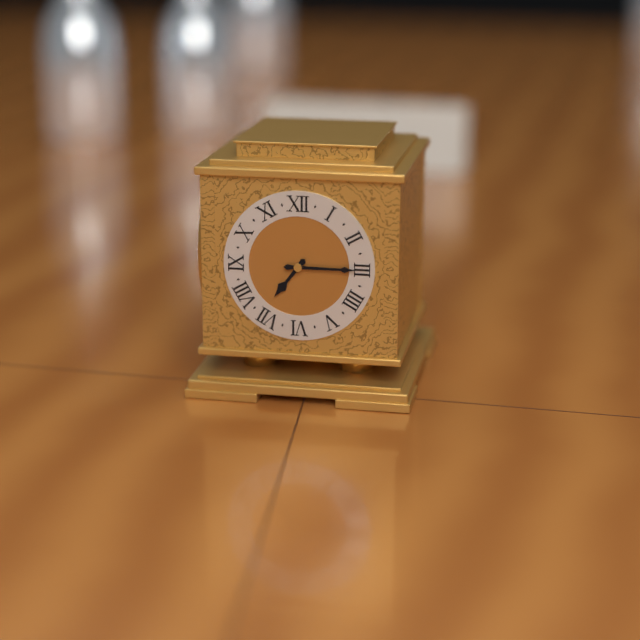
7:15
